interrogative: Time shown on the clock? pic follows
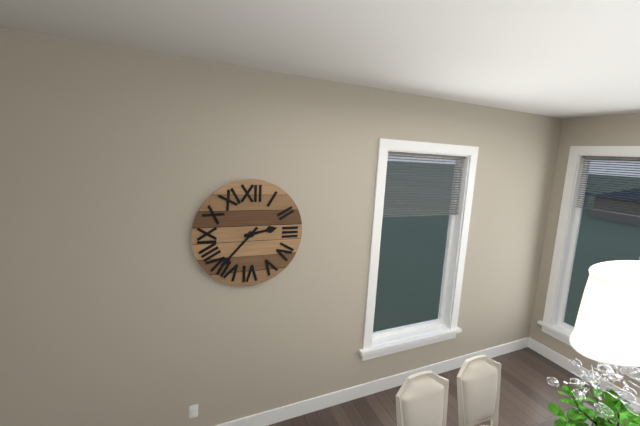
2:37
